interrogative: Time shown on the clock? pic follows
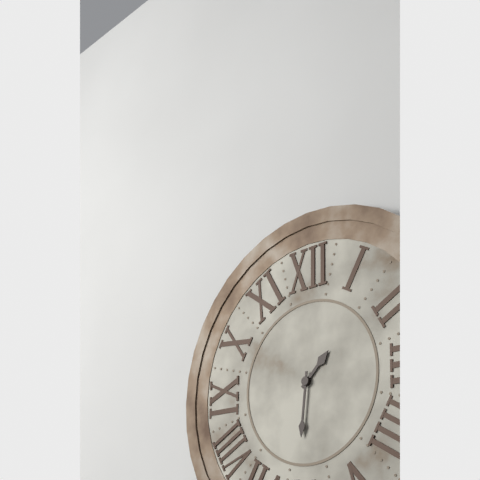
1:31
